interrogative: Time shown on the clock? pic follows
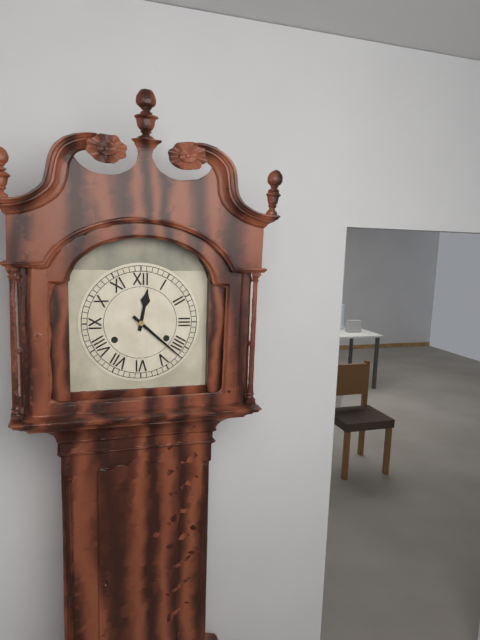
12:22
